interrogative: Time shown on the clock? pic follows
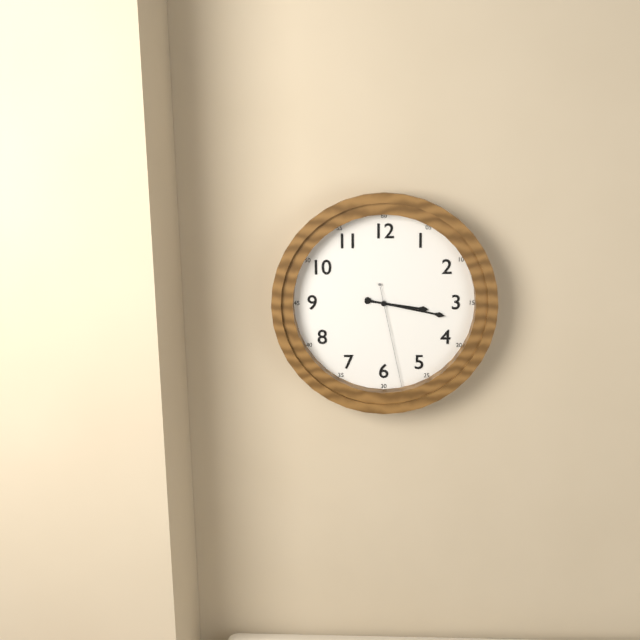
3:17:28
